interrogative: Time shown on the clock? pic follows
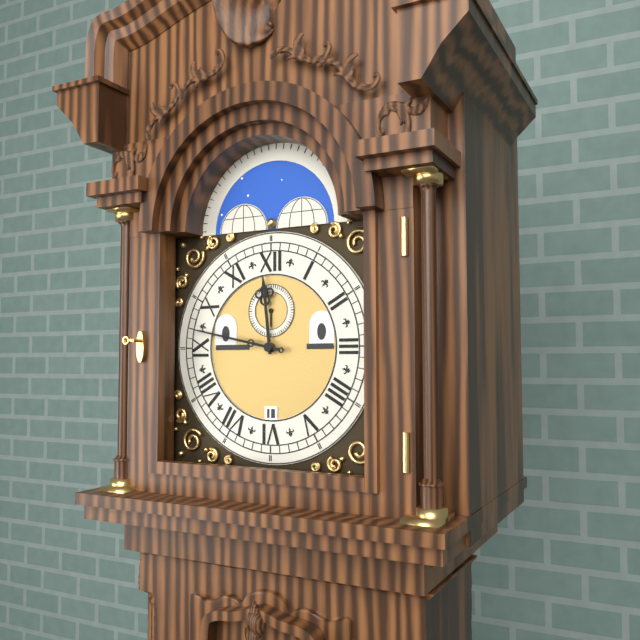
11:47
